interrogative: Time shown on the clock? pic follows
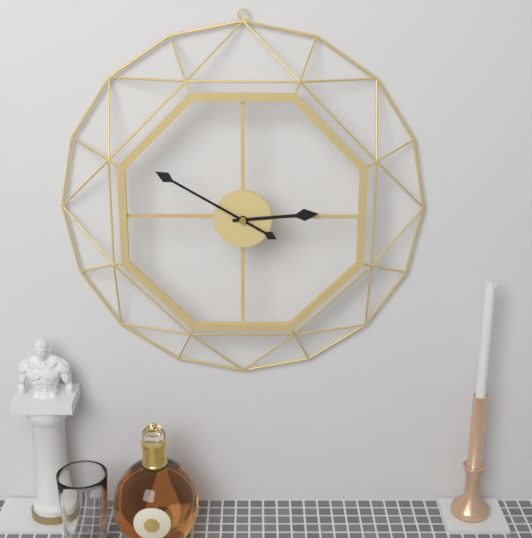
2:50
